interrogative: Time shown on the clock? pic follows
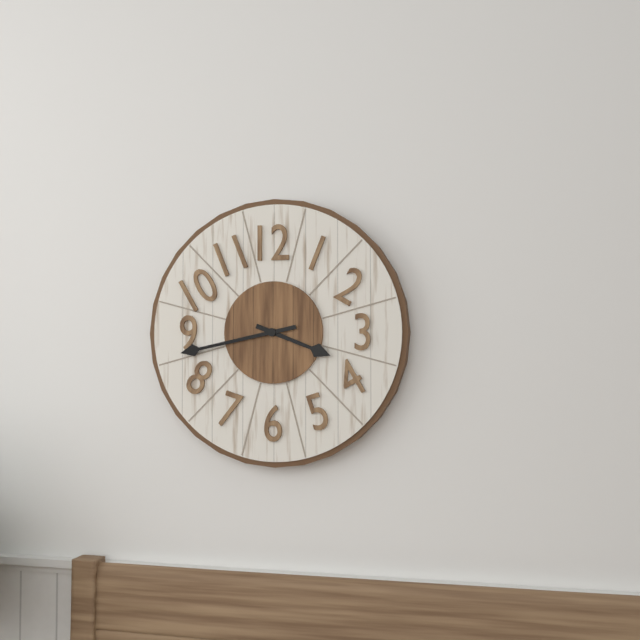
3:43
